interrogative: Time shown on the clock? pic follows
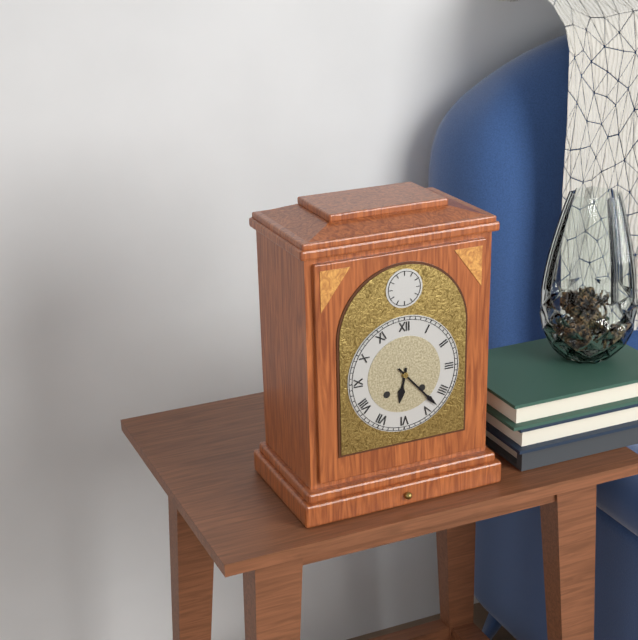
6:23
